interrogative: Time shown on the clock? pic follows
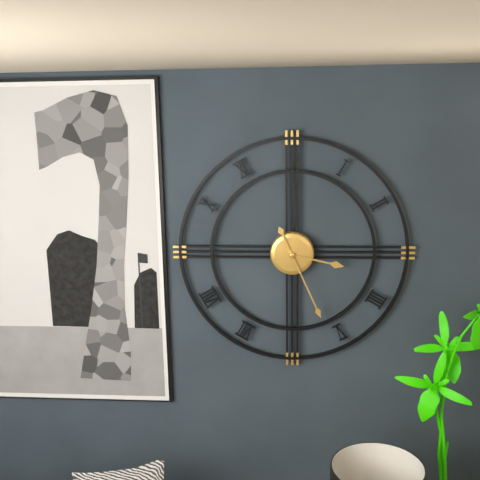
3:26
